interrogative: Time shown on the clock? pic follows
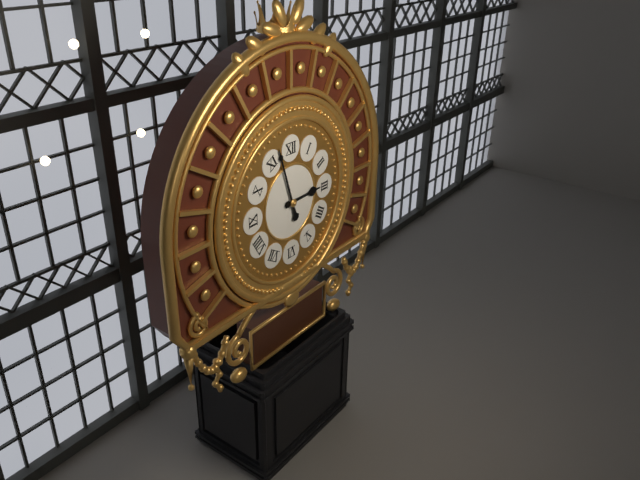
2:57
